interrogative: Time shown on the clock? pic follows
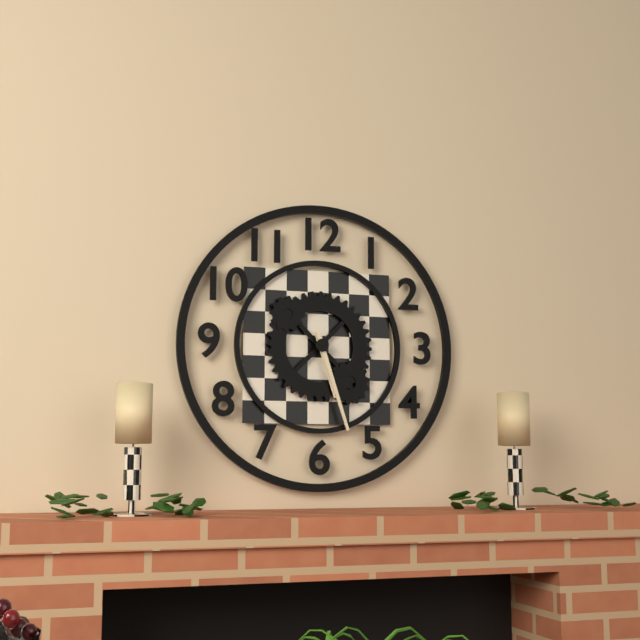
5:27
